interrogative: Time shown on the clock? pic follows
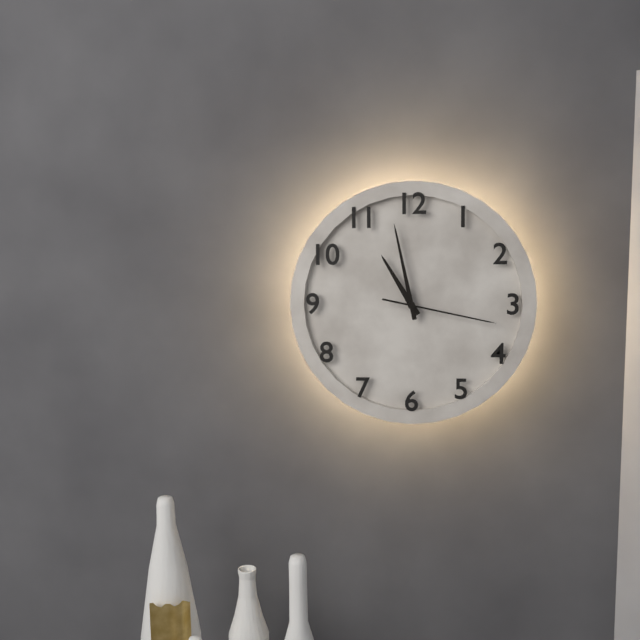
10:58:17
